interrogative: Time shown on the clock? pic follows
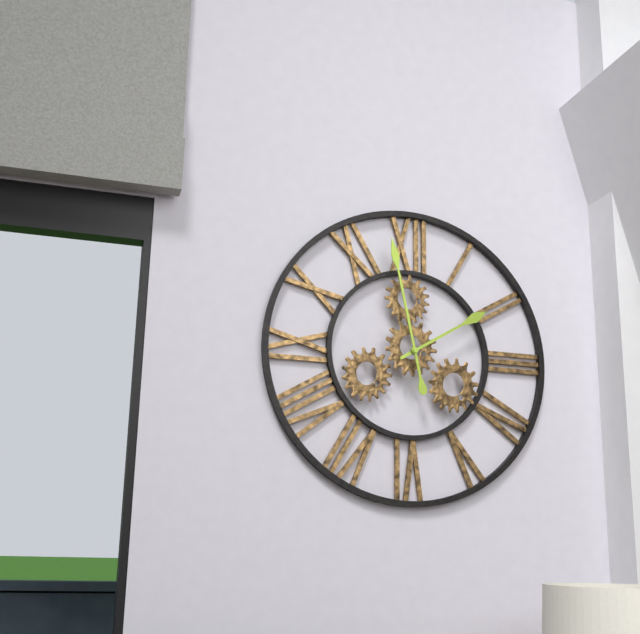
1:58
